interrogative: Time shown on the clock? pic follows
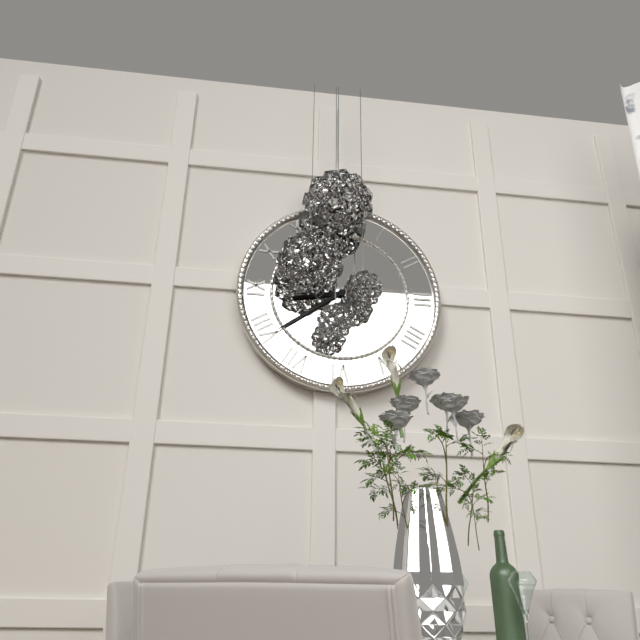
8:39
